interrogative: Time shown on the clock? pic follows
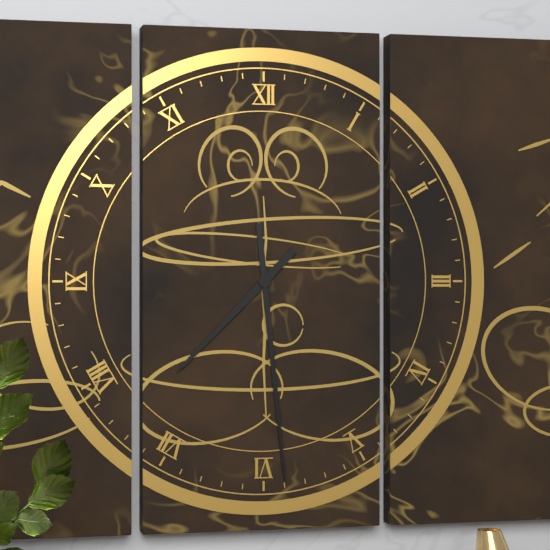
7:29
